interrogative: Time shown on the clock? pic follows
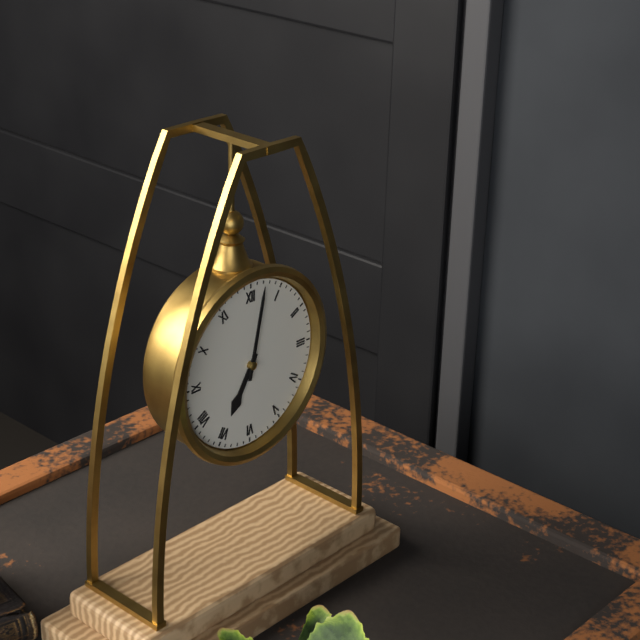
7:02
